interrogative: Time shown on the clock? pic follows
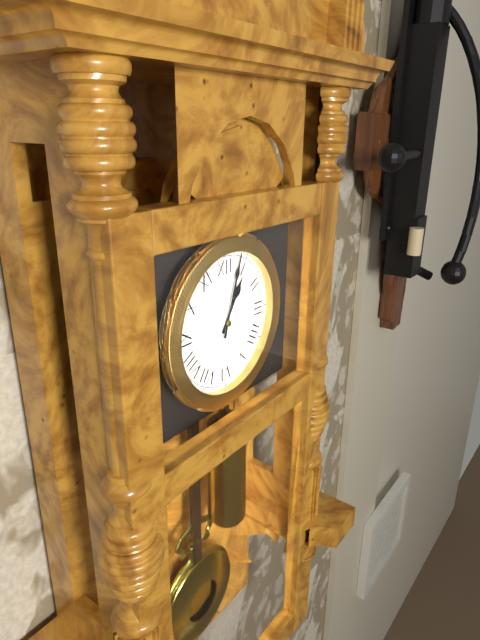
1:03
